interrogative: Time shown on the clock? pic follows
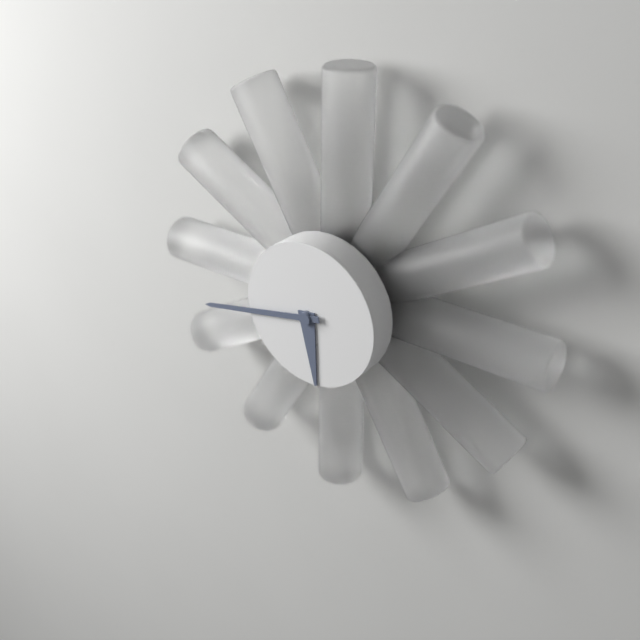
5:43
